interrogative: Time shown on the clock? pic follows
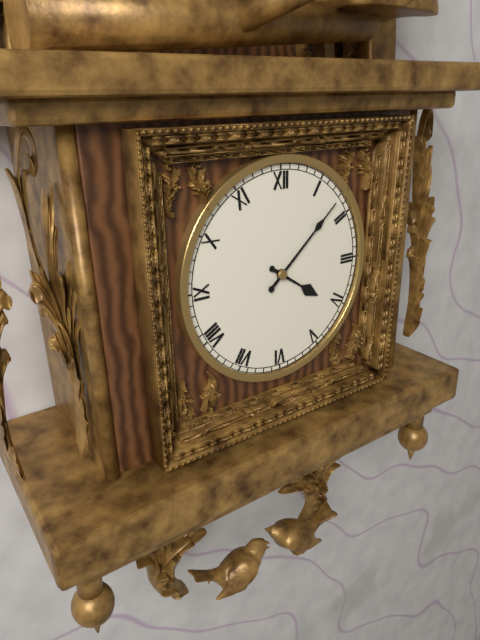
4:08
